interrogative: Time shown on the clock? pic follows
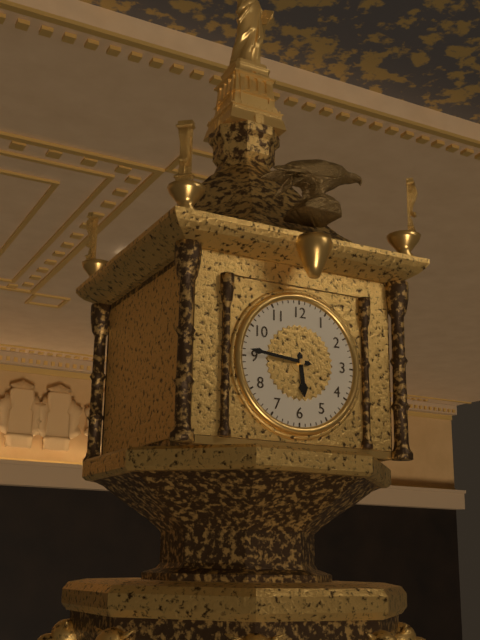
5:46
